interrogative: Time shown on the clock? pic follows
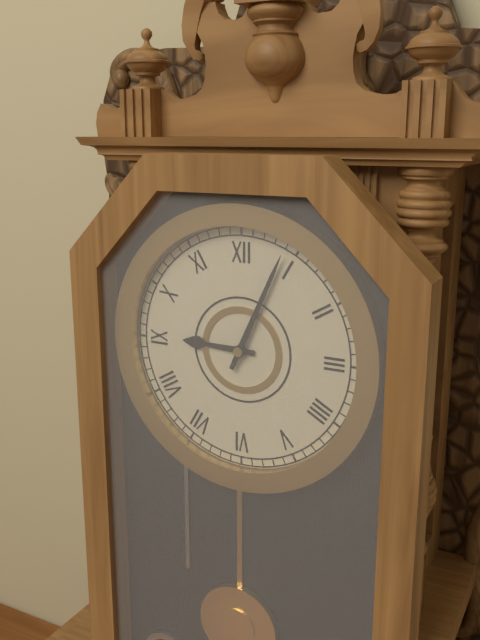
9:04
